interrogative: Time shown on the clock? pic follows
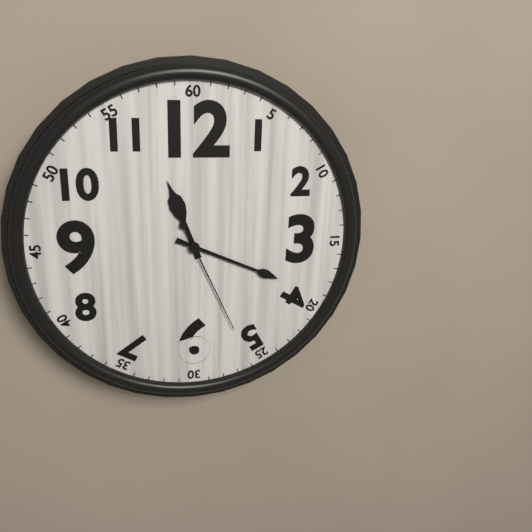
11:19:26
